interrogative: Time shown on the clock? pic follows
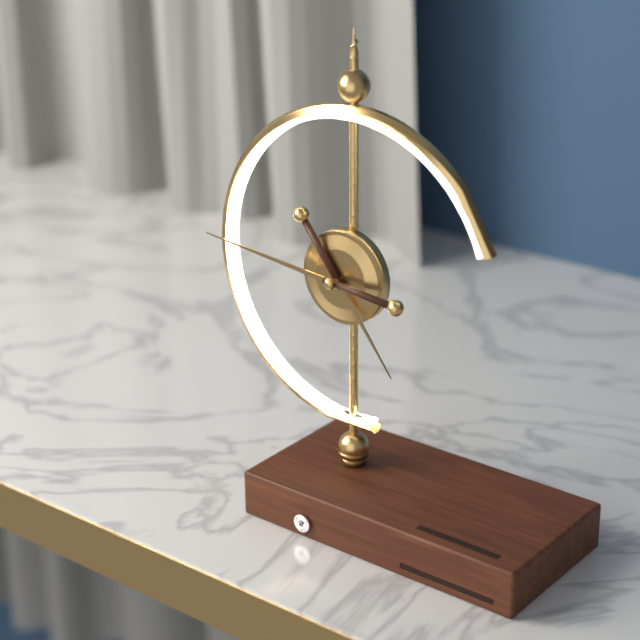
4:46
